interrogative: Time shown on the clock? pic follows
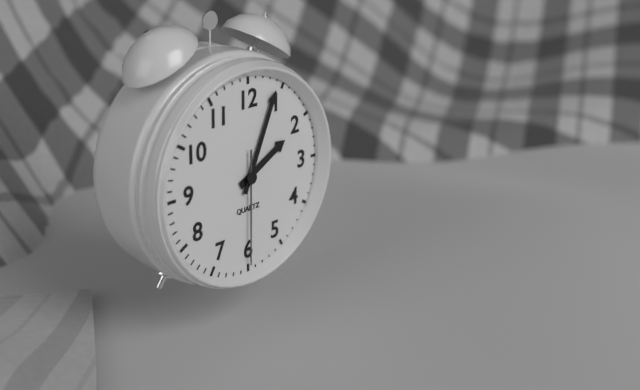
2:04:30
